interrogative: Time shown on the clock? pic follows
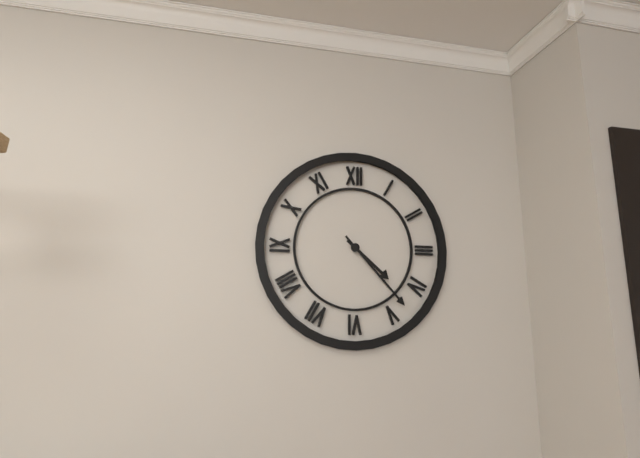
4:23
